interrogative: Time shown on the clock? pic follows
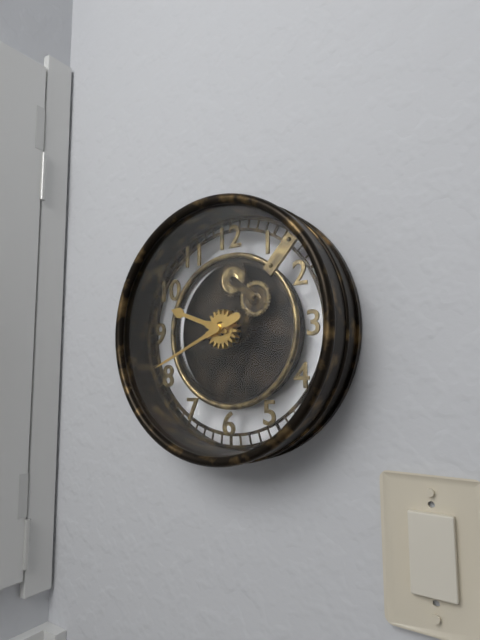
9:41
